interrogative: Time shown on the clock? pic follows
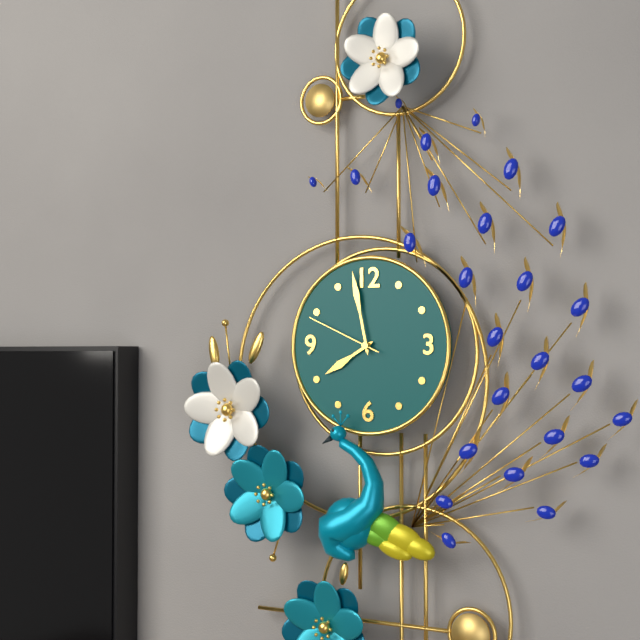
7:58:49
